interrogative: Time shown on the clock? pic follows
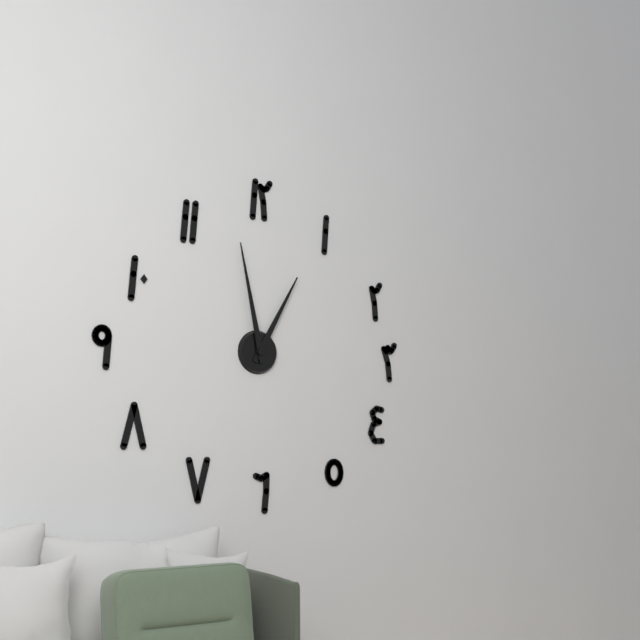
12:58
